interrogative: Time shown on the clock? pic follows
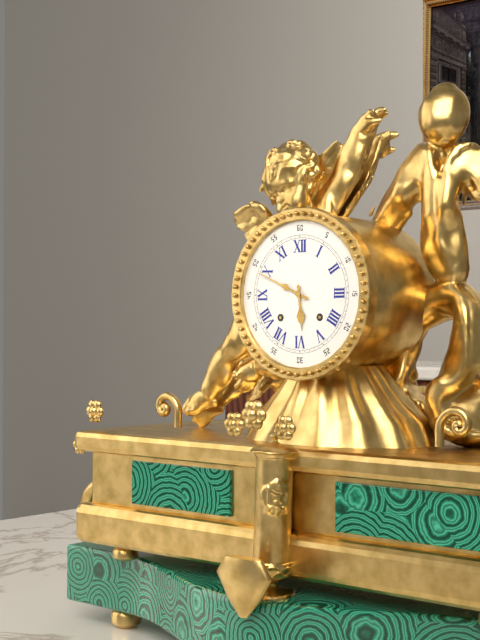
5:49
